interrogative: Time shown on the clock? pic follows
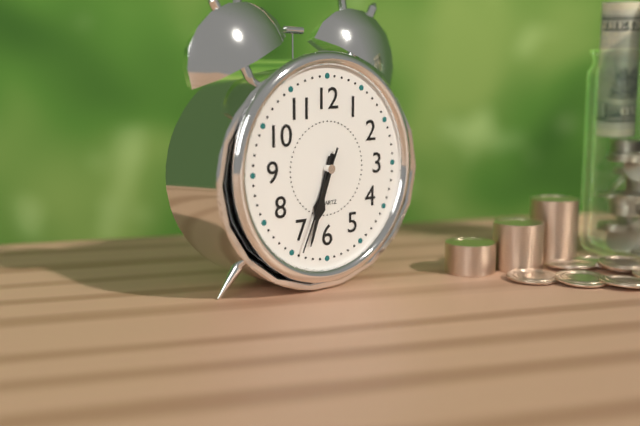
6:33:34
